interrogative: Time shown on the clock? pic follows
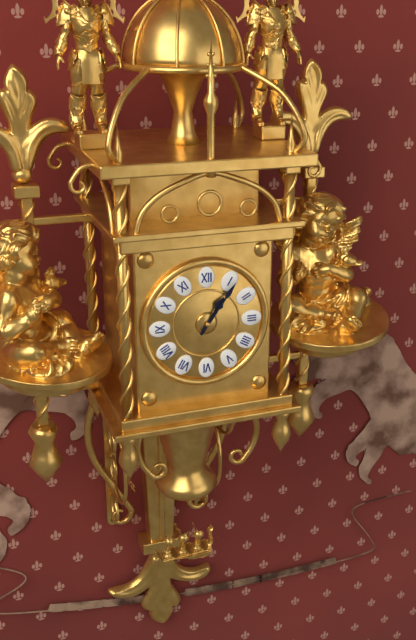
1:06
